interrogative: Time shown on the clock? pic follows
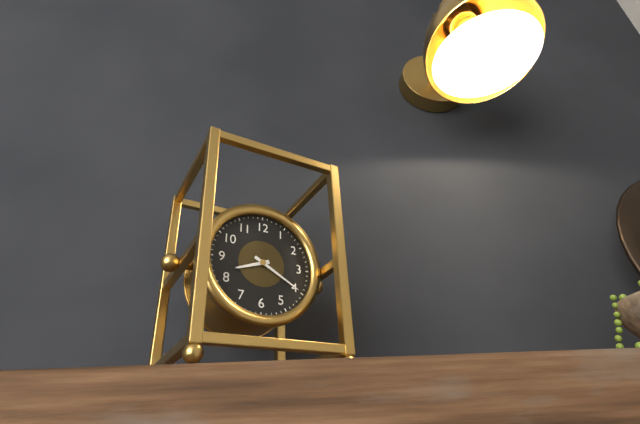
8:20
